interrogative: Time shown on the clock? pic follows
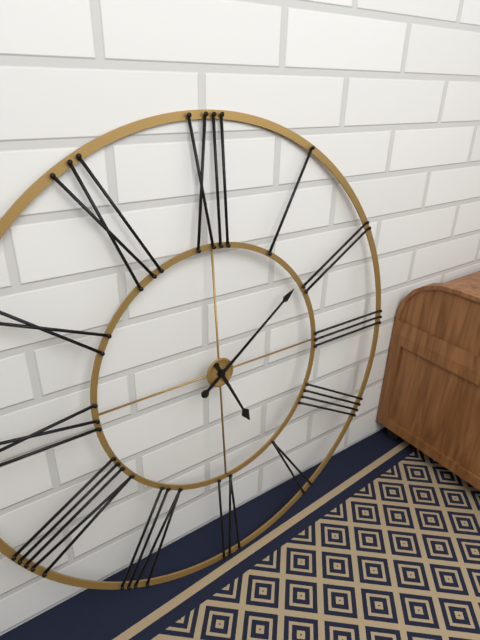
5:09
